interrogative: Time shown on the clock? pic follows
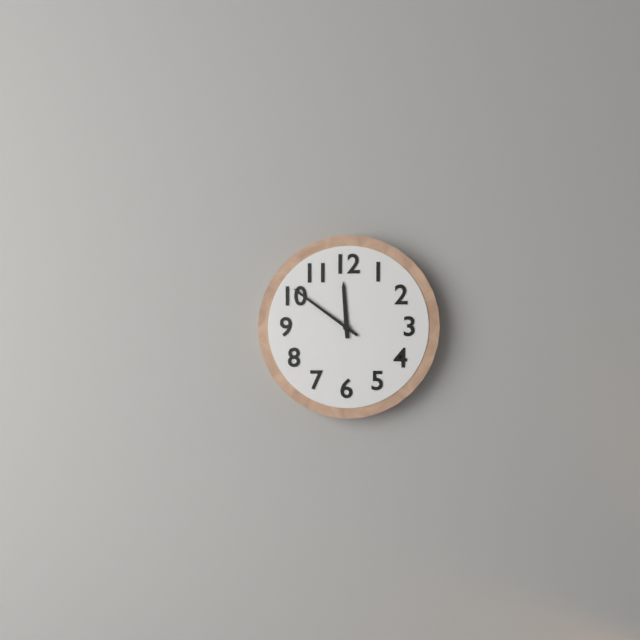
11:51
